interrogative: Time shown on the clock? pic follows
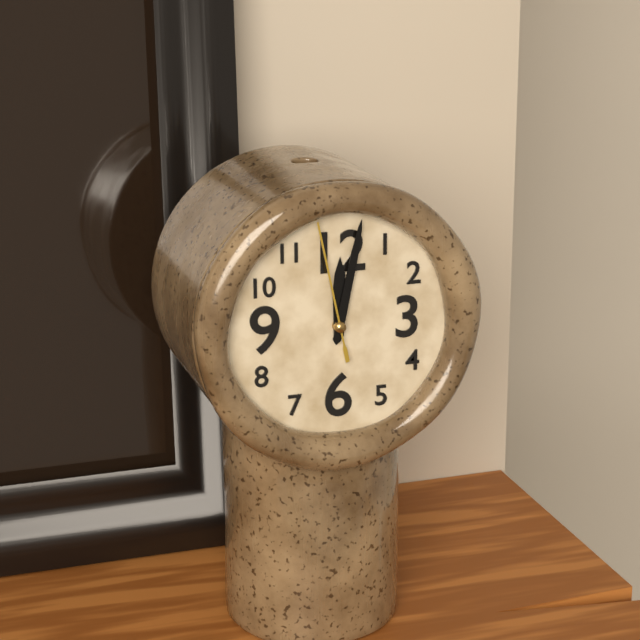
12:02:58
